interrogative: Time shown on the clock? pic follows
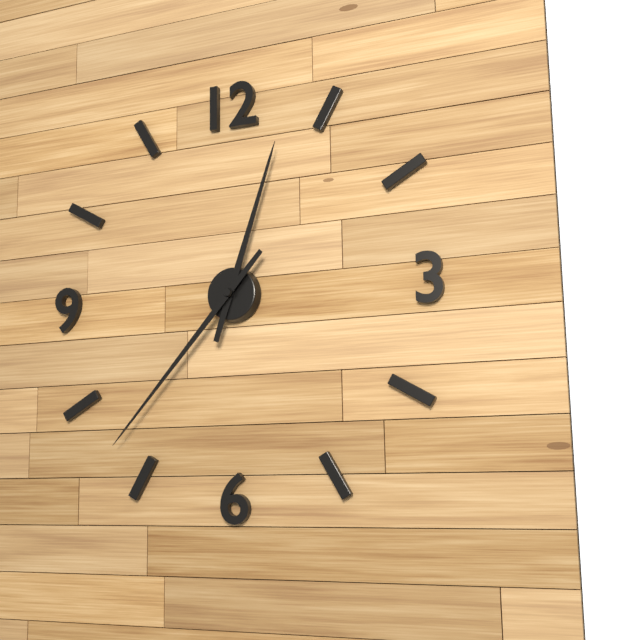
12:37
